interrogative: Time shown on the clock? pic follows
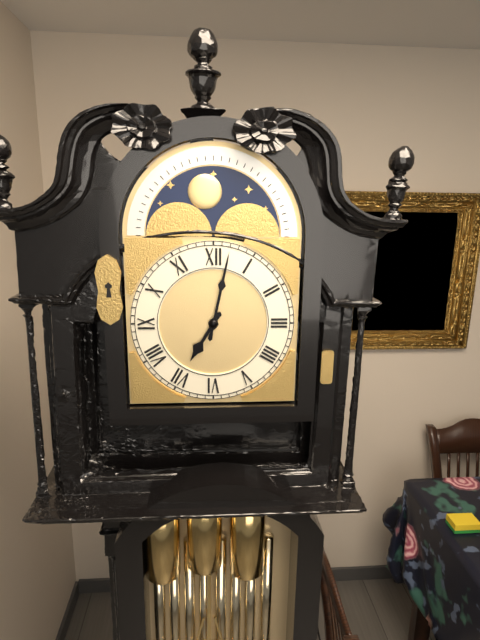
7:02
